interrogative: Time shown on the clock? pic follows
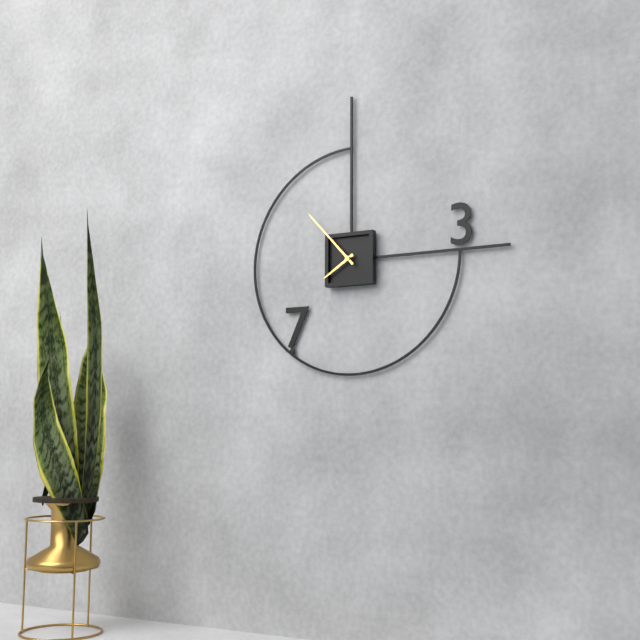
7:53
